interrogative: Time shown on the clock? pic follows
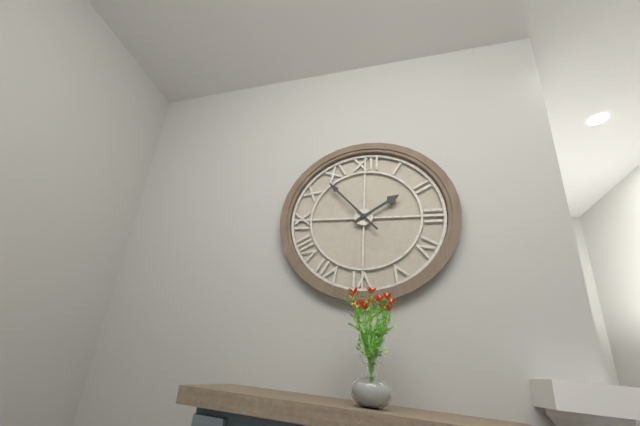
1:53
